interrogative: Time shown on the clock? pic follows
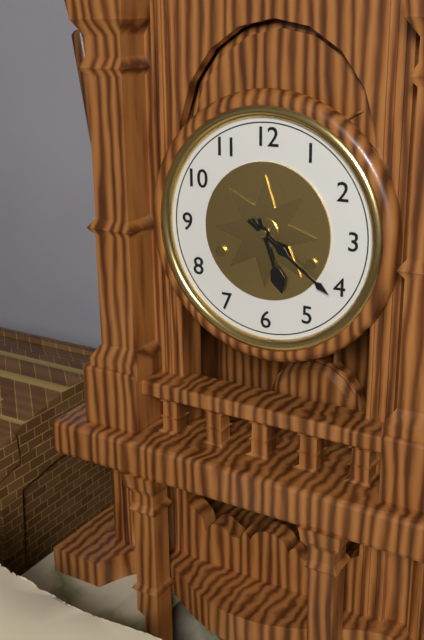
5:21
